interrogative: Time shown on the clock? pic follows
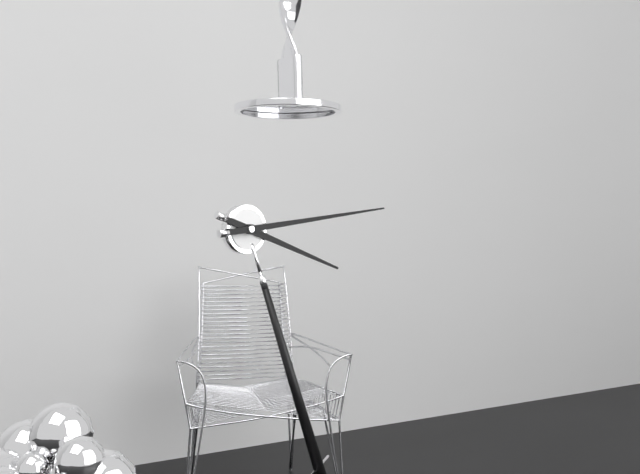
4:17
